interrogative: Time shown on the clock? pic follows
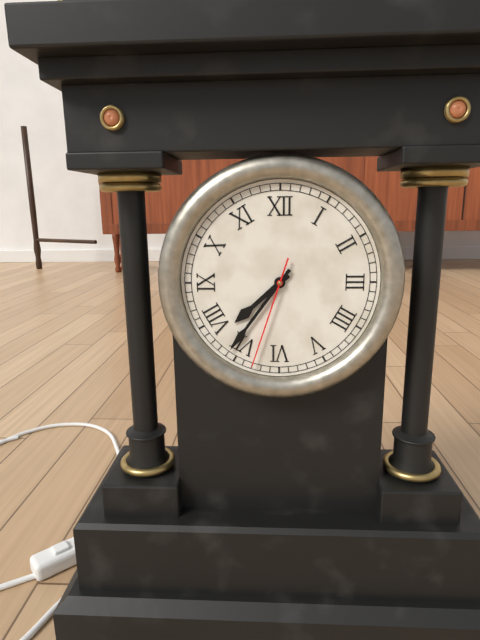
7:36:33
